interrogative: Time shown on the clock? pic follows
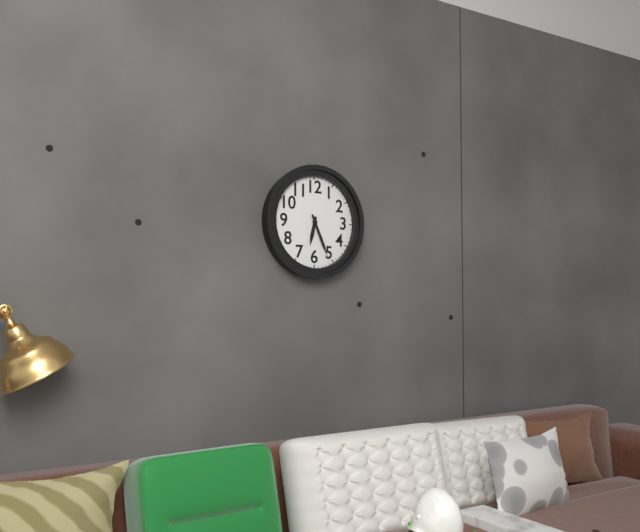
6:26
